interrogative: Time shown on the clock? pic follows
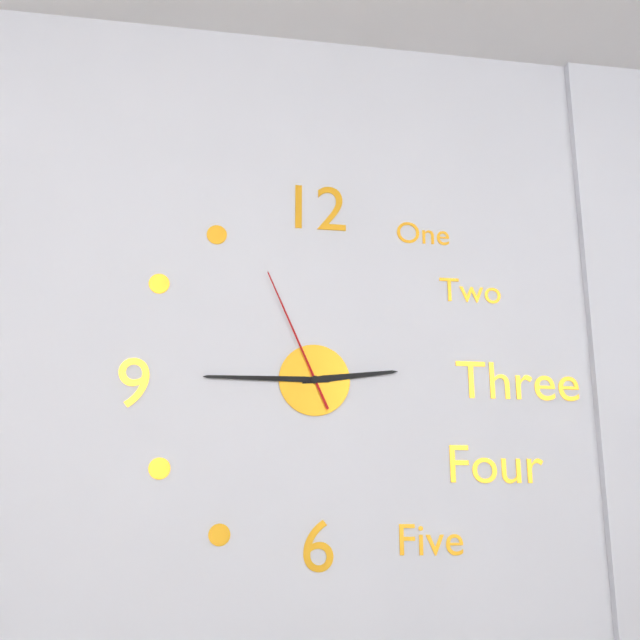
2:45:56
